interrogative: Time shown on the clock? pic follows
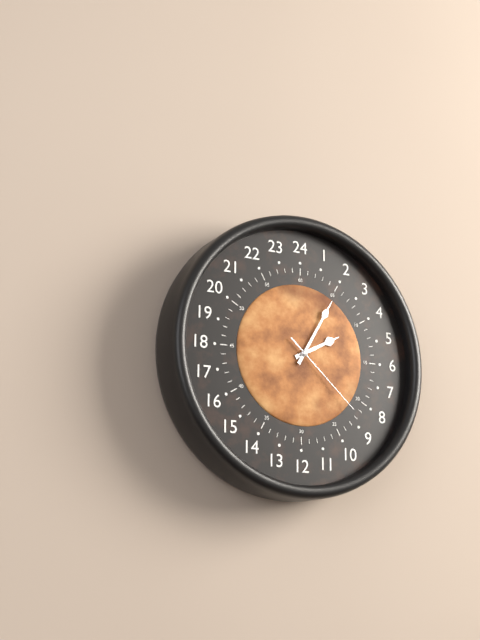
2:05:22
